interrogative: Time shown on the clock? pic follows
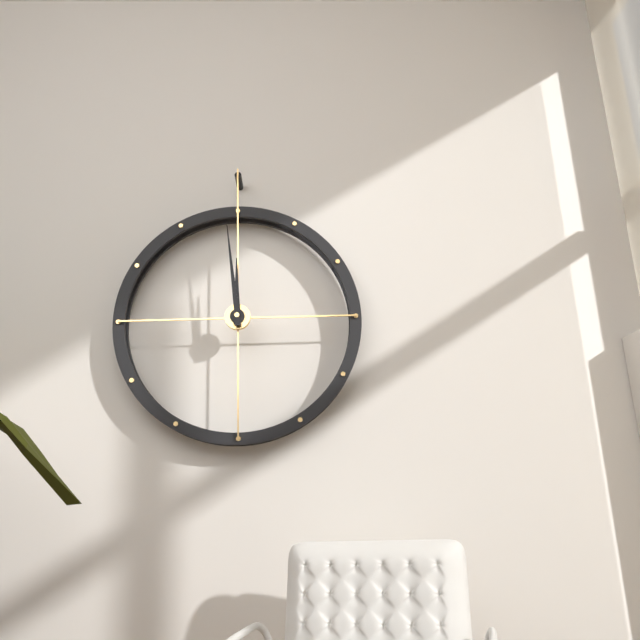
11:59
